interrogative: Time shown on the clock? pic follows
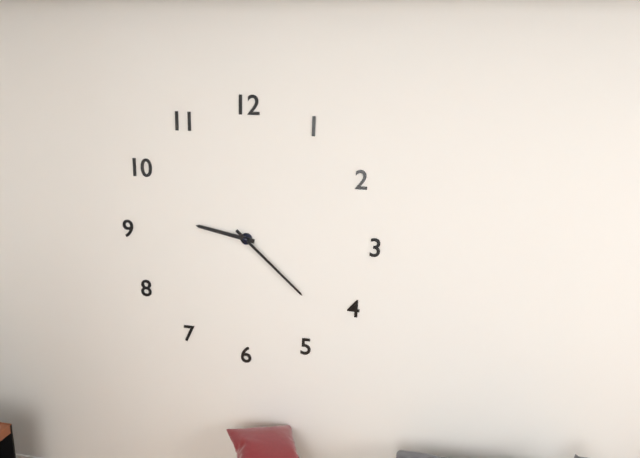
9:22
